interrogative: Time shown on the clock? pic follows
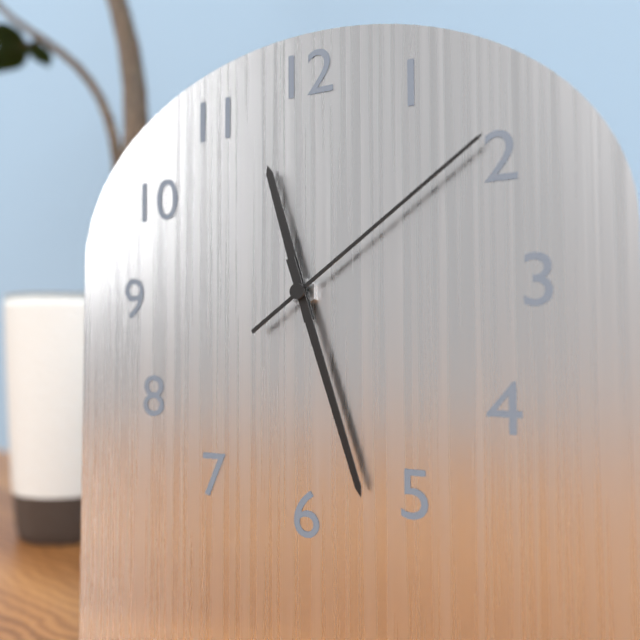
11:27:09
